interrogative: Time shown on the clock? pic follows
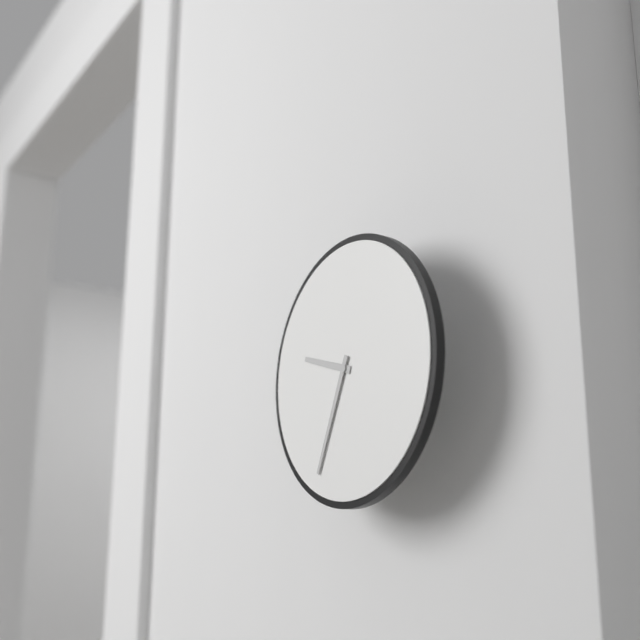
9:34
